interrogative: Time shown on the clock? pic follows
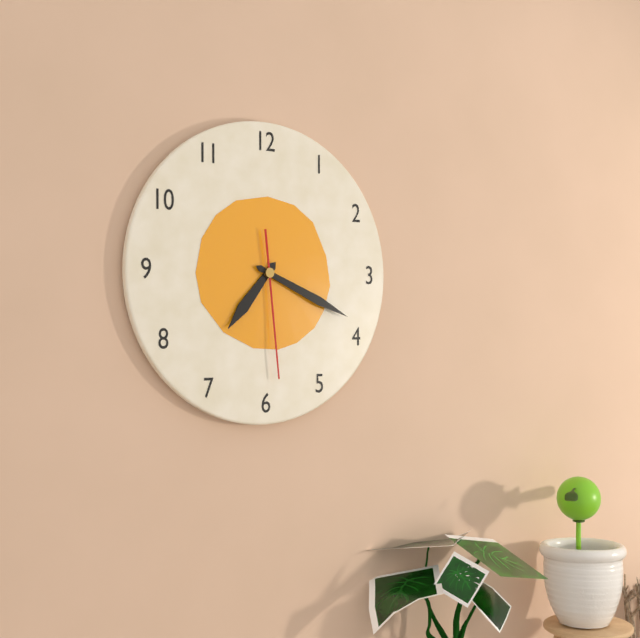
7:19:29
